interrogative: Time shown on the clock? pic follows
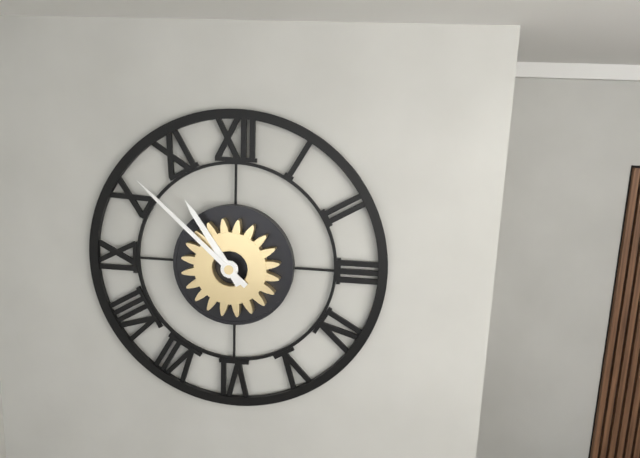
10:52
